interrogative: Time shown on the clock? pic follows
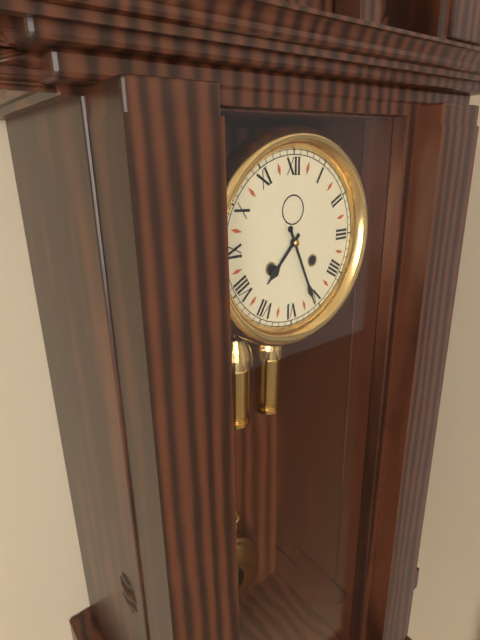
7:26
